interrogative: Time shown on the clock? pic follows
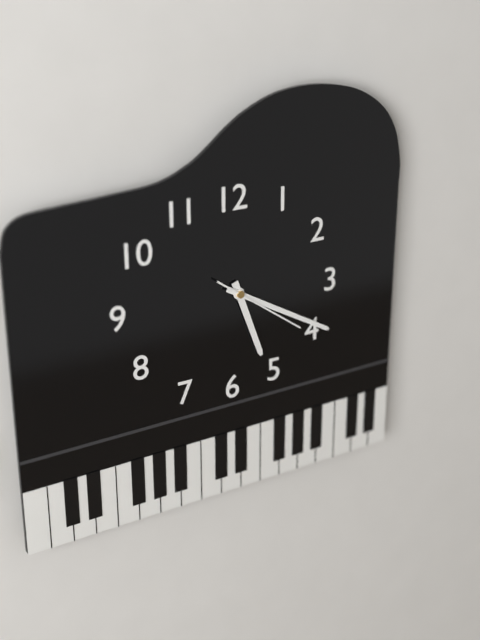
5:20:21
